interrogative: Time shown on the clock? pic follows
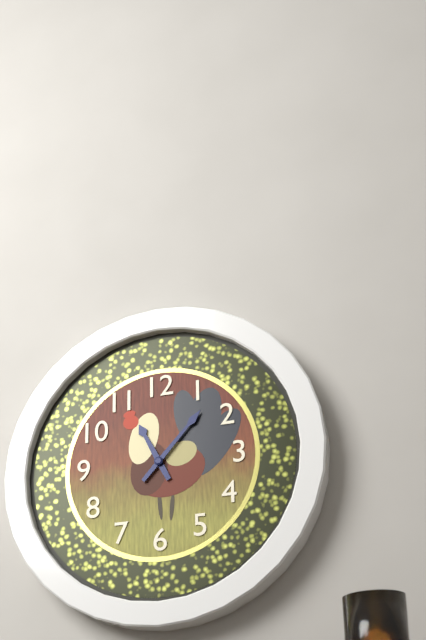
11:07
